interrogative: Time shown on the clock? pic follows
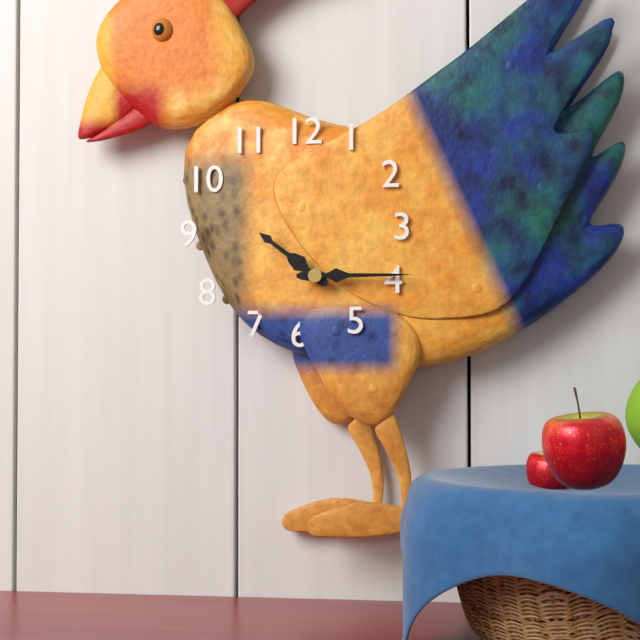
10:15
